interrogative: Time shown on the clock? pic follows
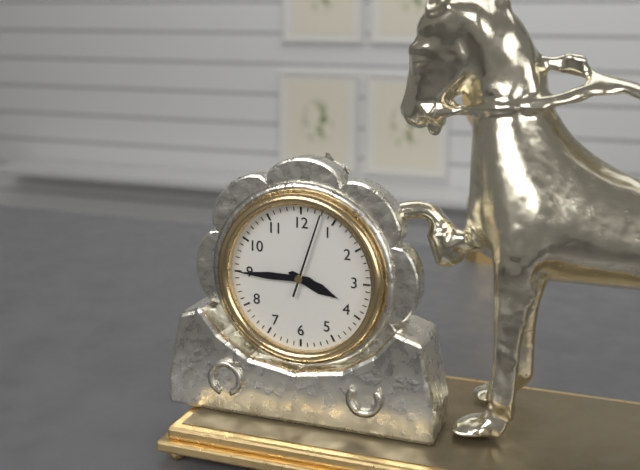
3:45:03
